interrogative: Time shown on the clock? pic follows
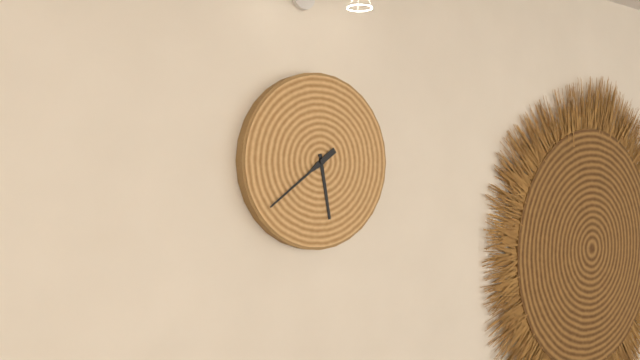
5:39
